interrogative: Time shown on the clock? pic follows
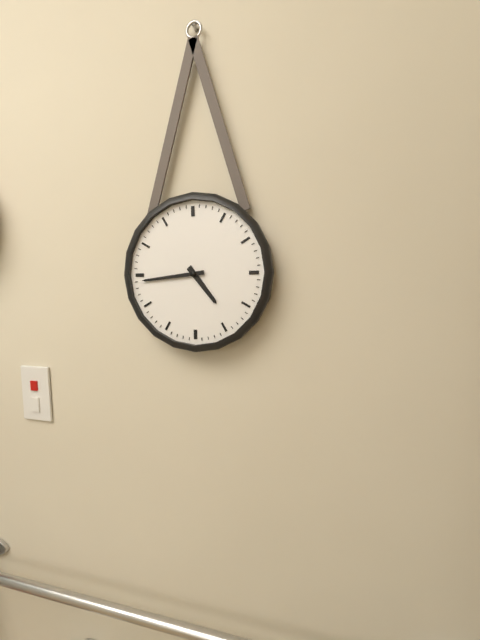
4:44
